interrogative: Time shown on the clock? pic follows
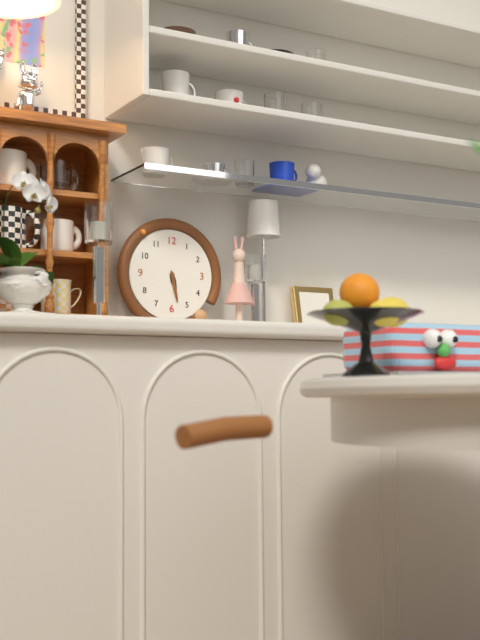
5:28
